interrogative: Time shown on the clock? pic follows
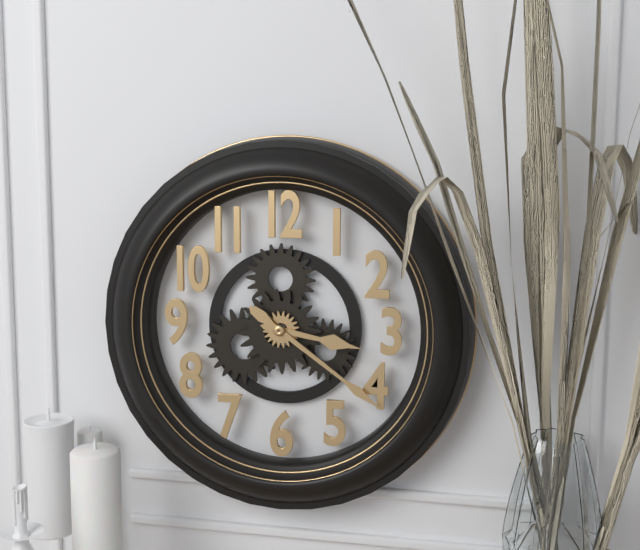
3:21
